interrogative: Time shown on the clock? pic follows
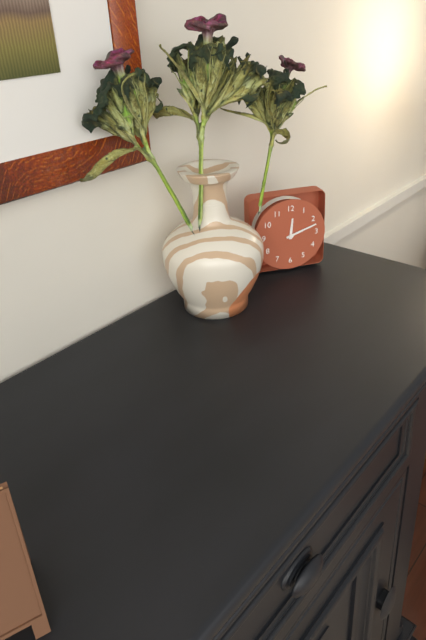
12:12
